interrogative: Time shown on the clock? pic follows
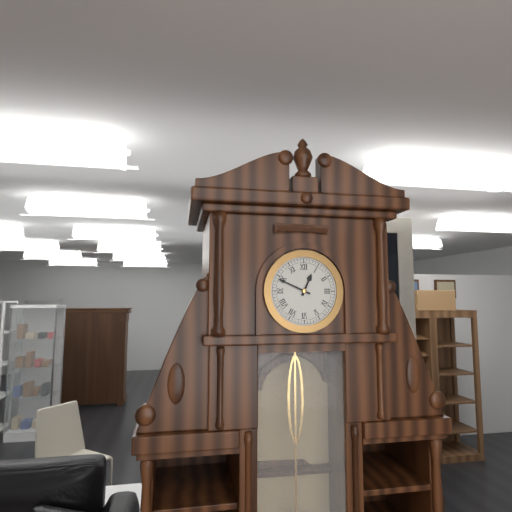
12:49
